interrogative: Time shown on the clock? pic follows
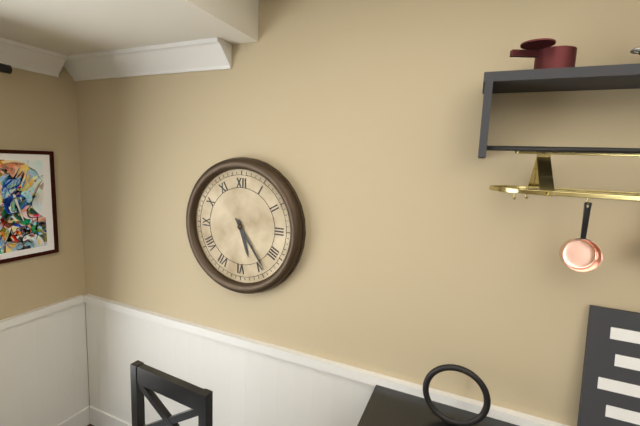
5:24
